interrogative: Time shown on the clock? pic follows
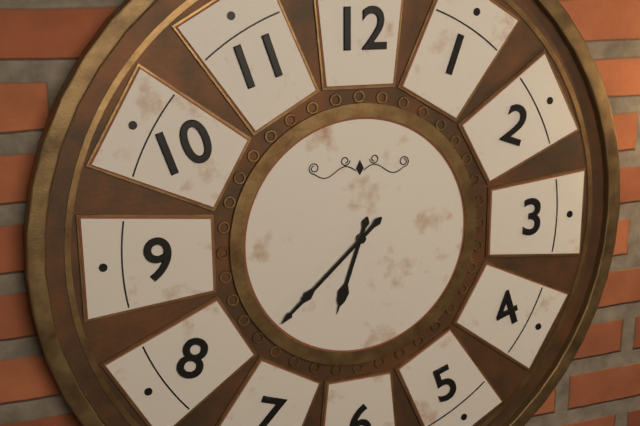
6:38
